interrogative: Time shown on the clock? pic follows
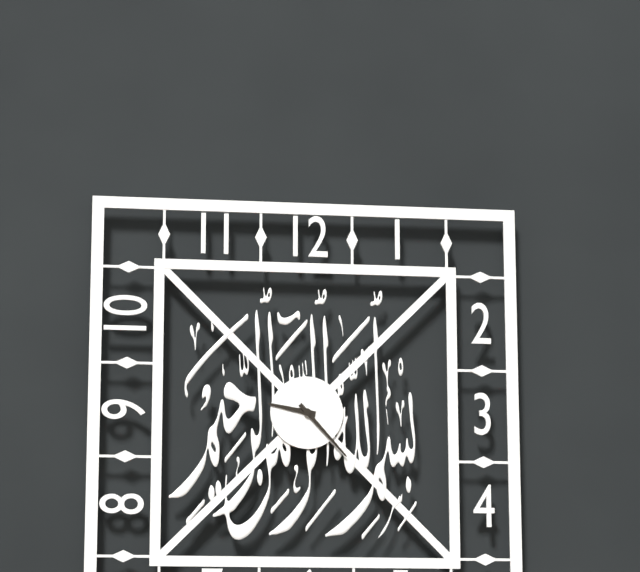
9:23
